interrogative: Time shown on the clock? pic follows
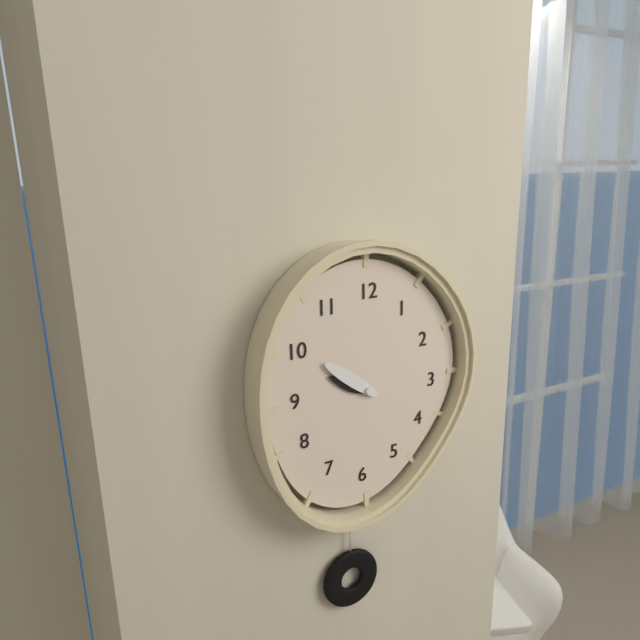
9:51
